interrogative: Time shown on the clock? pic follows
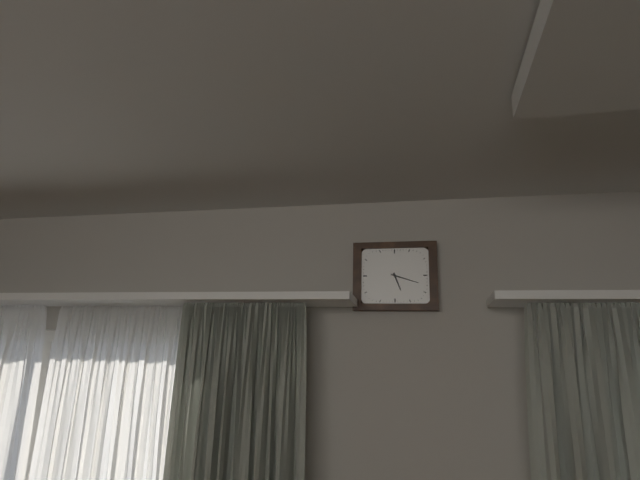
5:18
